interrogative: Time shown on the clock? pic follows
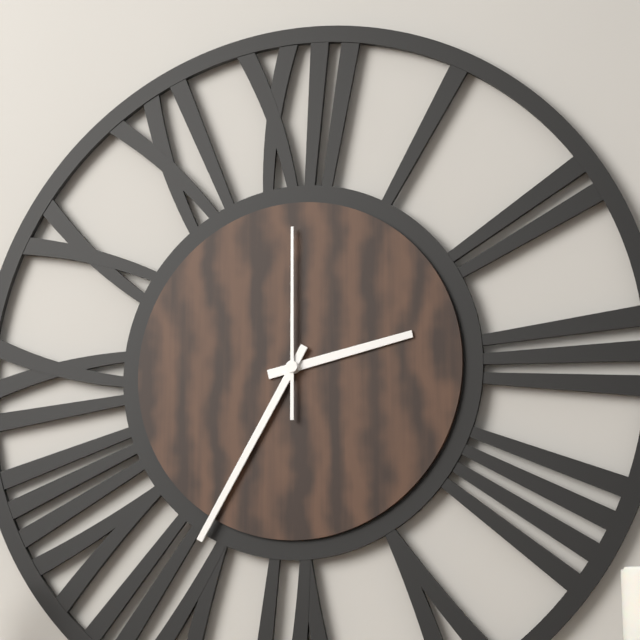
2:35:00
